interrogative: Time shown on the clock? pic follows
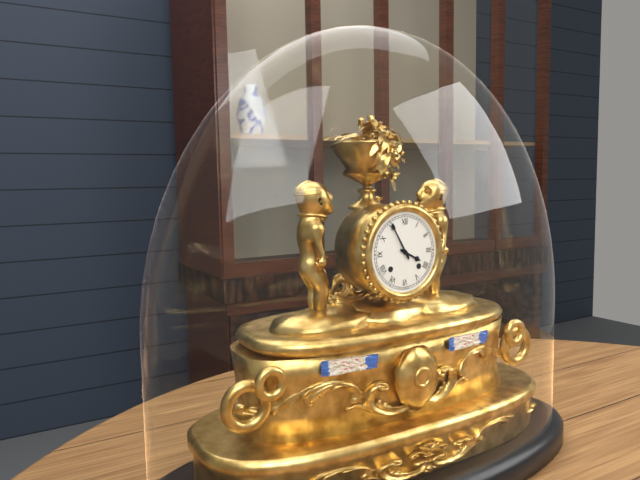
3:55
